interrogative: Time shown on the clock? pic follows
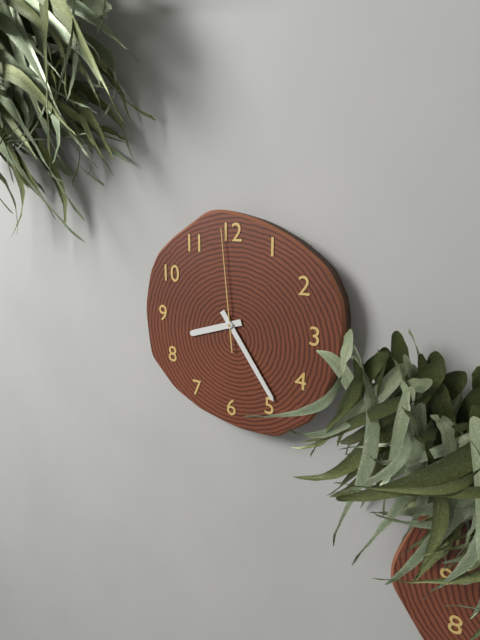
8:24:59
